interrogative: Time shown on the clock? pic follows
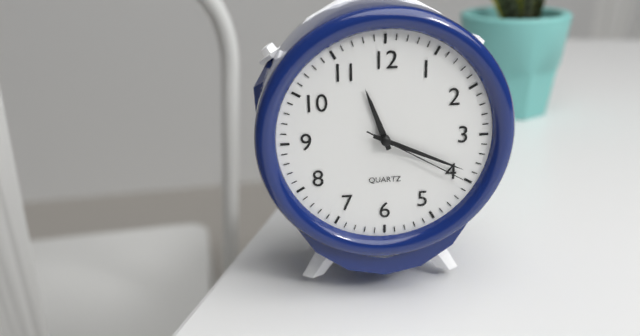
11:19:20
